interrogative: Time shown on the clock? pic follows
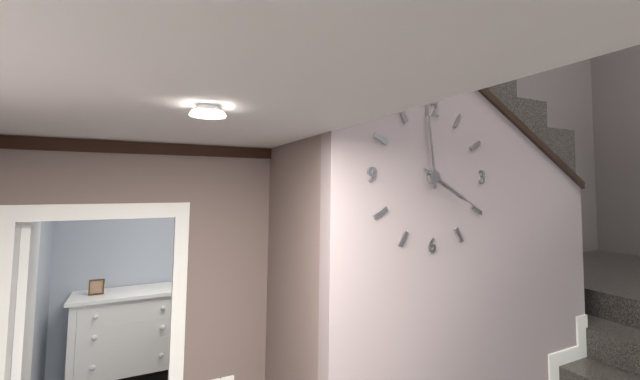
3:59:20
